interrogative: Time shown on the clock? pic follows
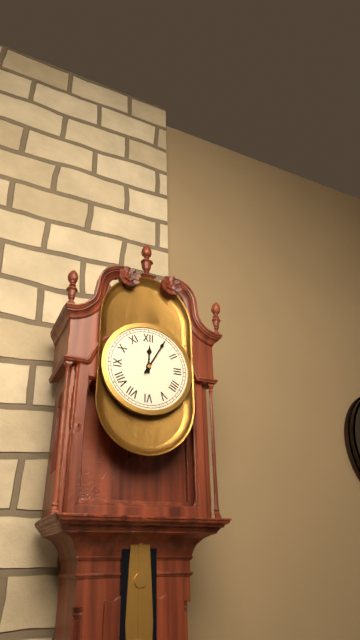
12:05
